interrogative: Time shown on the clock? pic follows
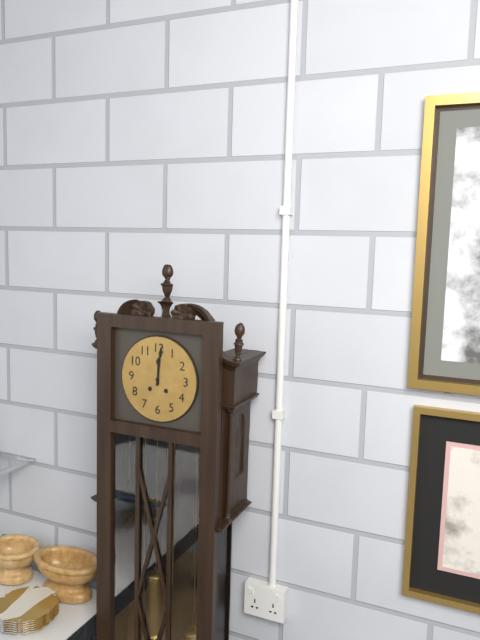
12:01
